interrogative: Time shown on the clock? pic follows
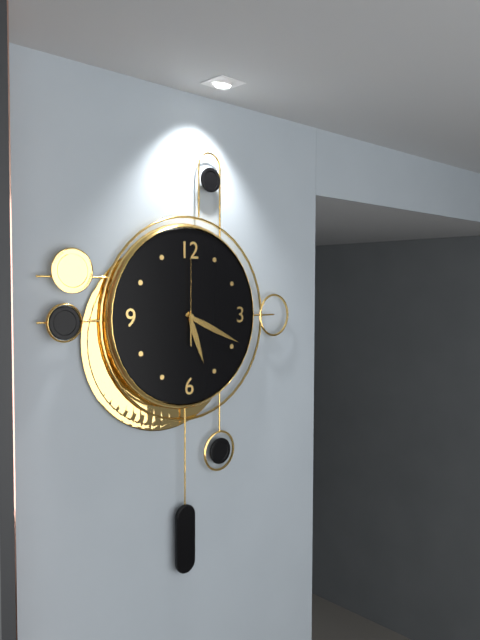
5:19:00
